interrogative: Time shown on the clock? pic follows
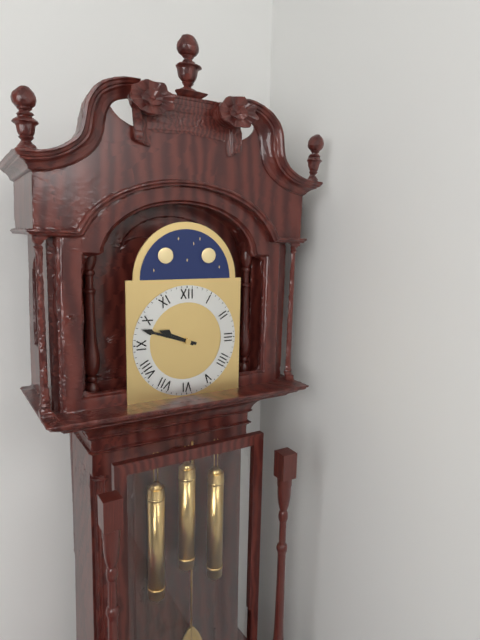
9:48
